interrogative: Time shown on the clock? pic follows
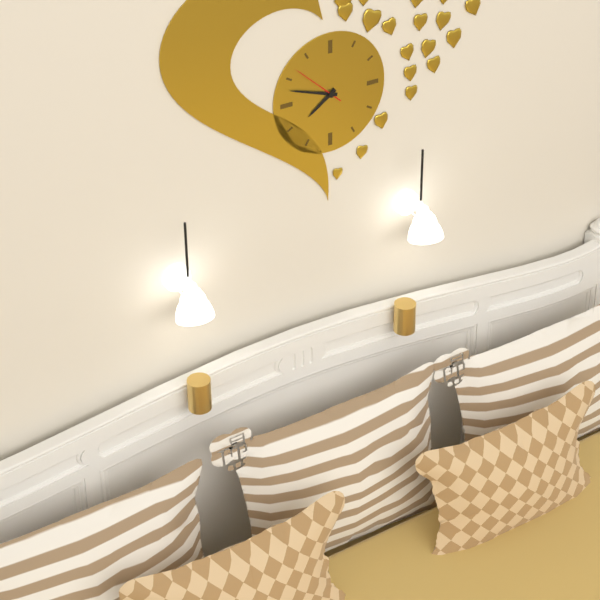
7:48:52
